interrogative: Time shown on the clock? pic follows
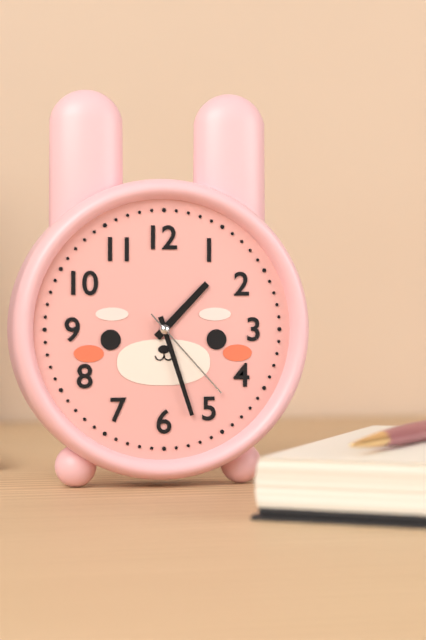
1:27:23
